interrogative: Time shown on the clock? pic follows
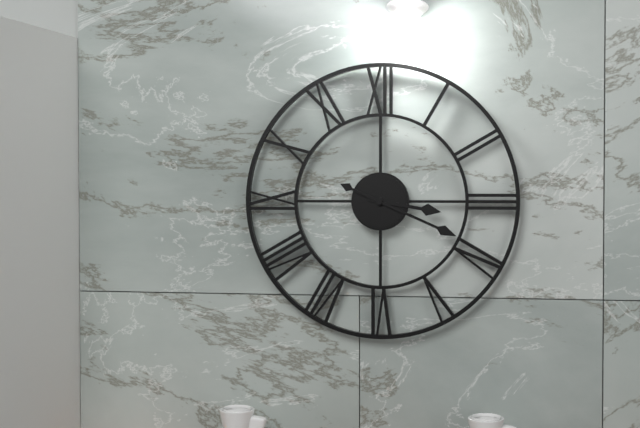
3:19
